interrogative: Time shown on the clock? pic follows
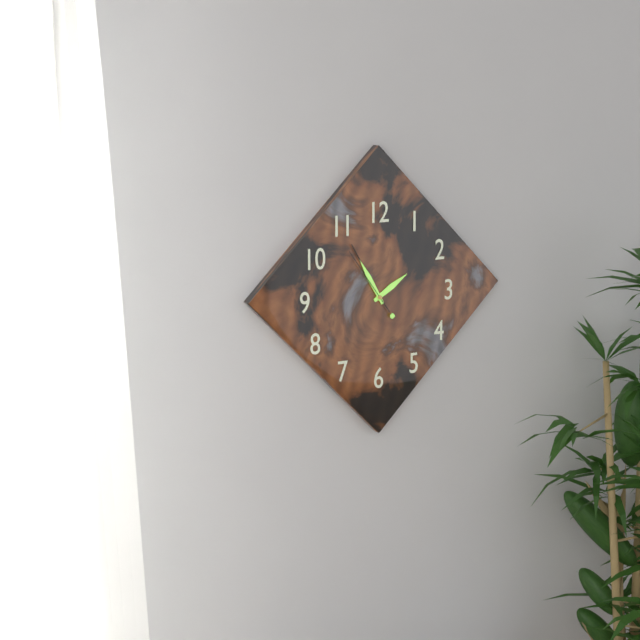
1:55:54
